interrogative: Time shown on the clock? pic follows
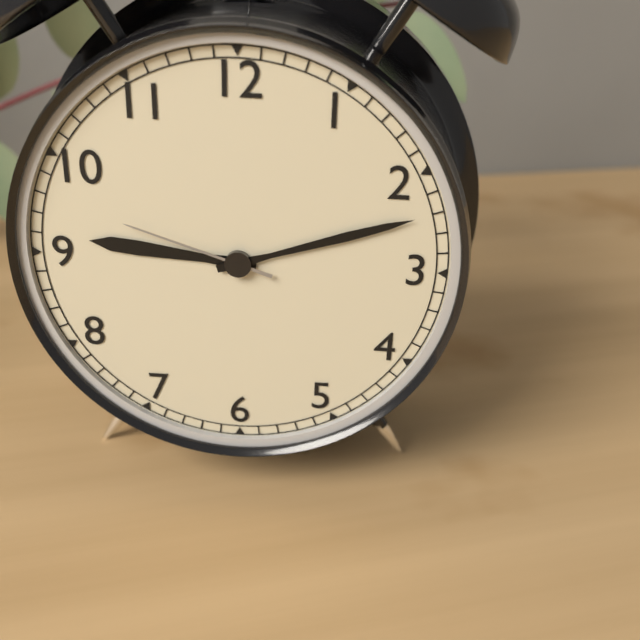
9:12:48
